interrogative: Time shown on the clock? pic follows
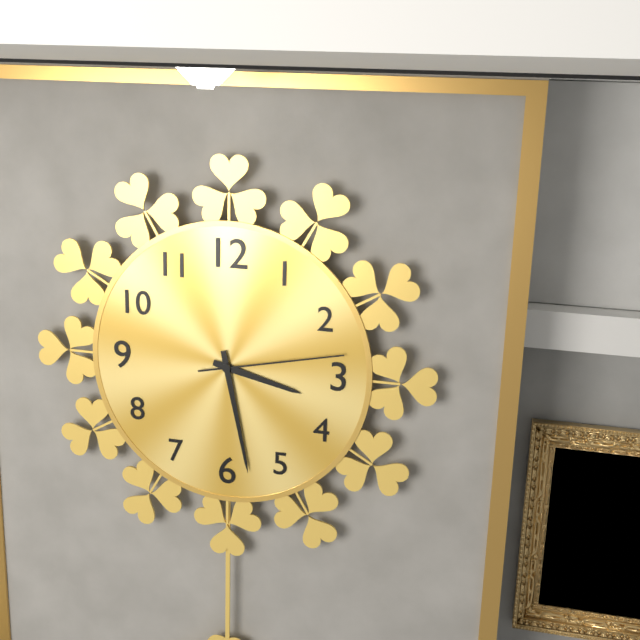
3:28:13
